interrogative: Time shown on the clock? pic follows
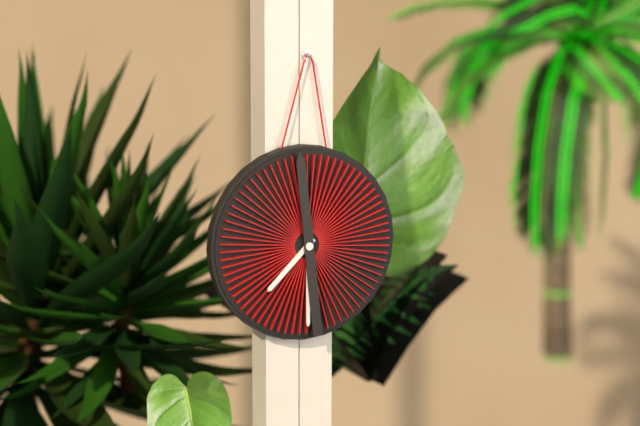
7:30:59
